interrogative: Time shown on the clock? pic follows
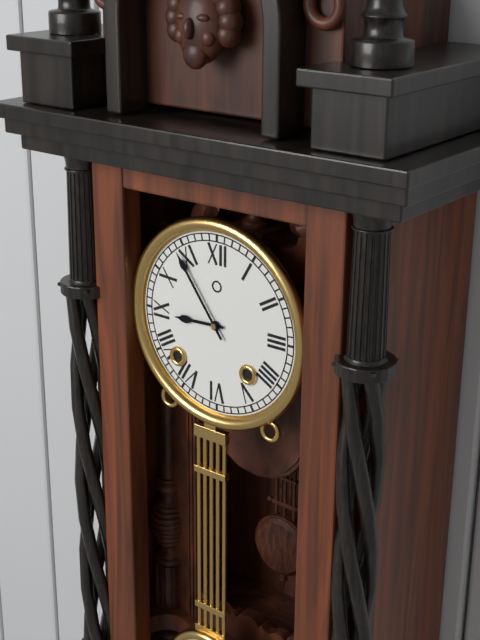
8:54
